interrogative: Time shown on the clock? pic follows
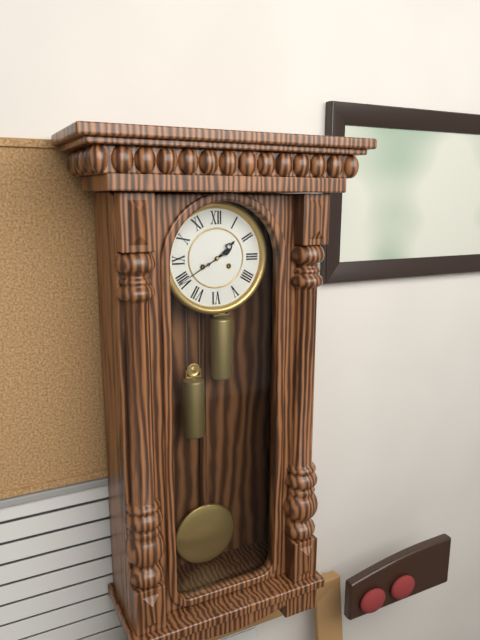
1:40
